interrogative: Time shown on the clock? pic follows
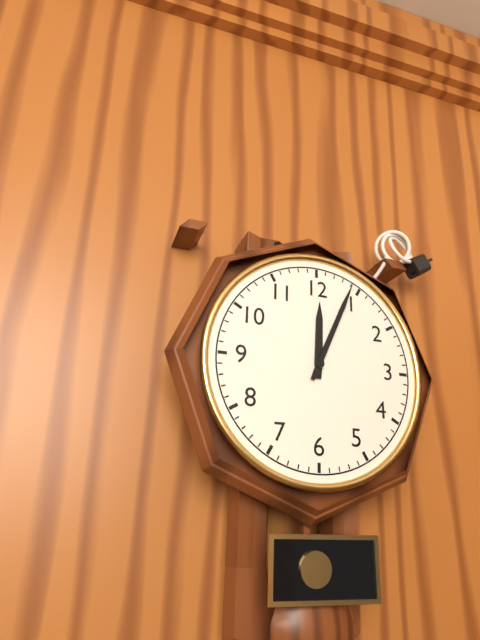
12:04
